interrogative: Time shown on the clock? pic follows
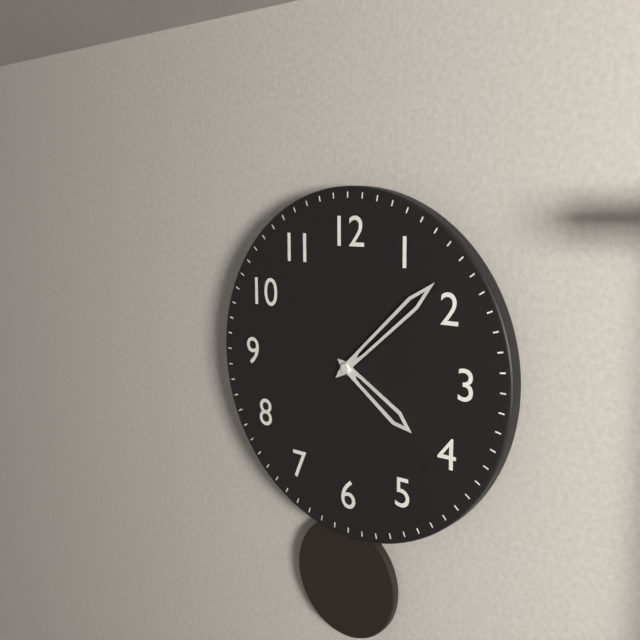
4:08
